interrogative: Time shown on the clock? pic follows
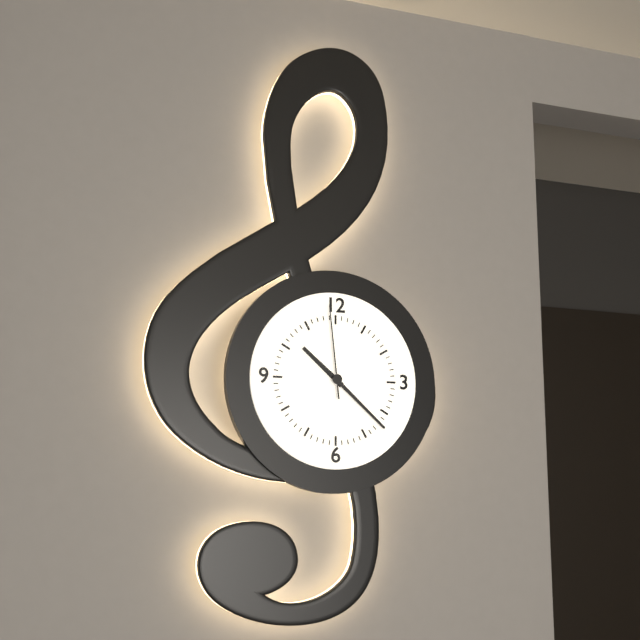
10:22:59
